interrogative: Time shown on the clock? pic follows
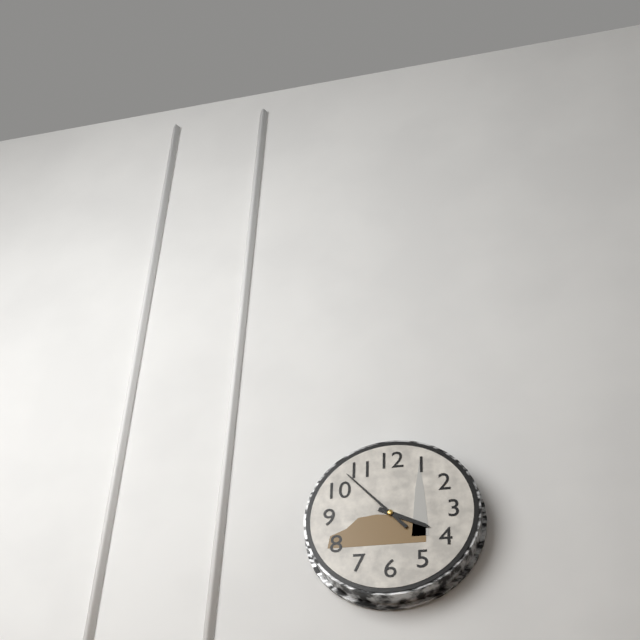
3:53
